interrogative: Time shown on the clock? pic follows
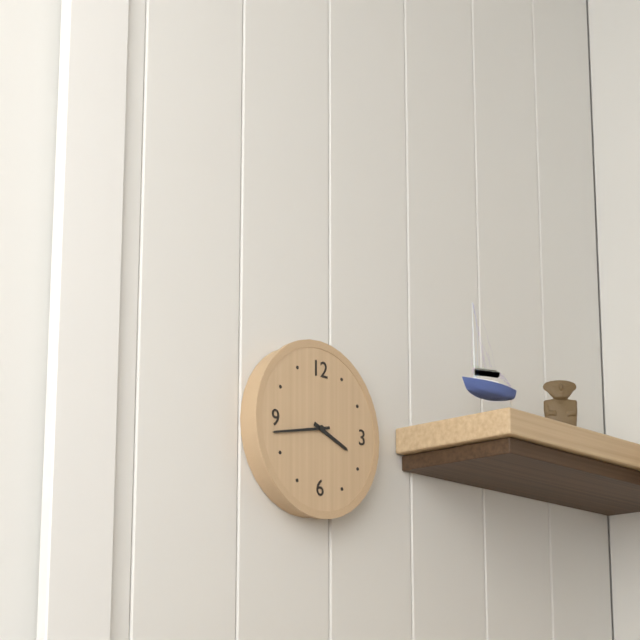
3:43
